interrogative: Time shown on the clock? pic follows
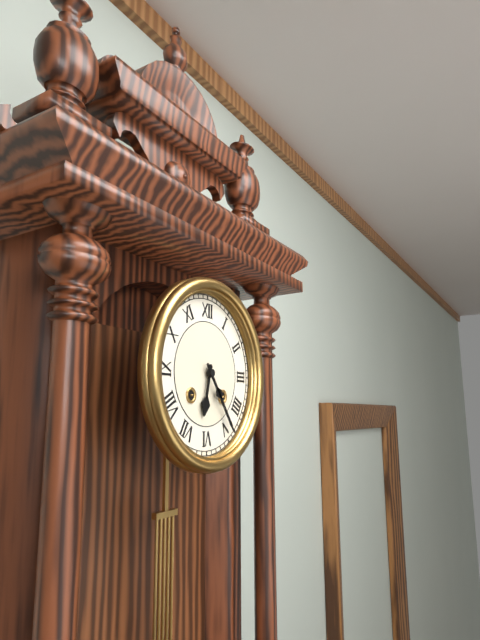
6:24
